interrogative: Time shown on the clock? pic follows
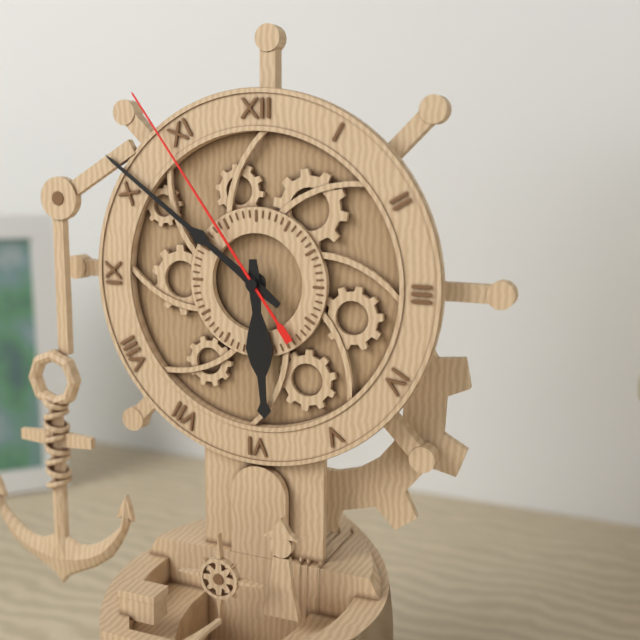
5:51:54
